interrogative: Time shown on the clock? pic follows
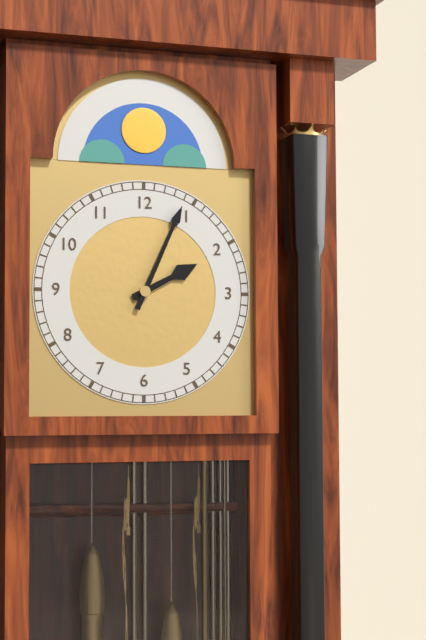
2:04
